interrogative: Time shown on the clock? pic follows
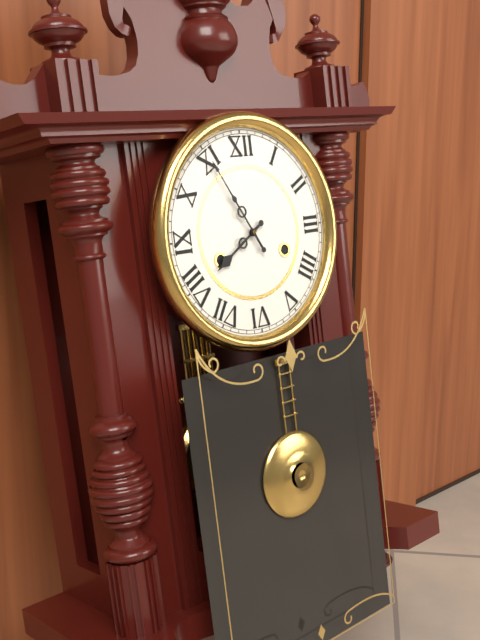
7:55
